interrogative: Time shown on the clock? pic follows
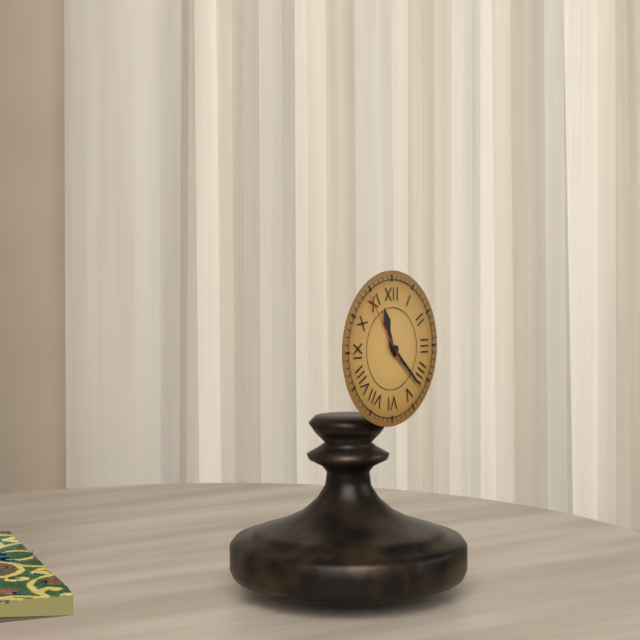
11:22:54
